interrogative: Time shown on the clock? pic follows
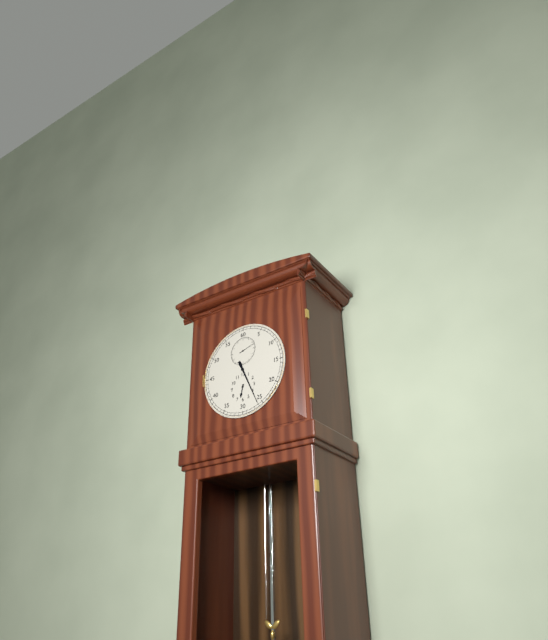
6:26
